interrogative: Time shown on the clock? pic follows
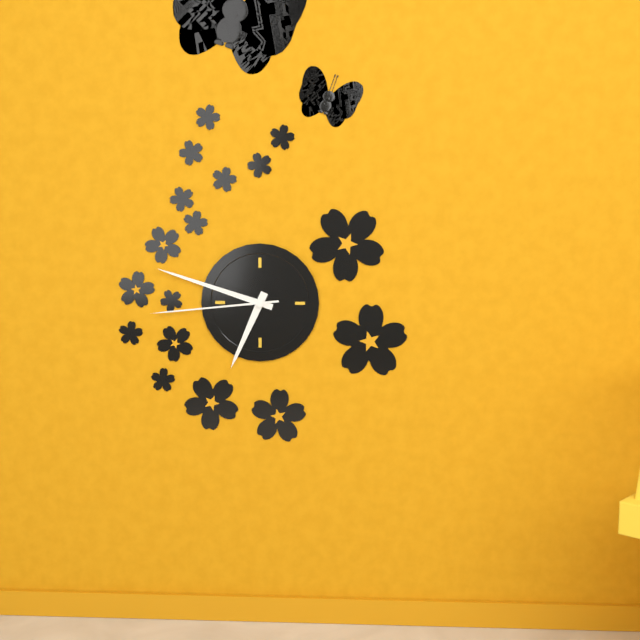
6:48:44
